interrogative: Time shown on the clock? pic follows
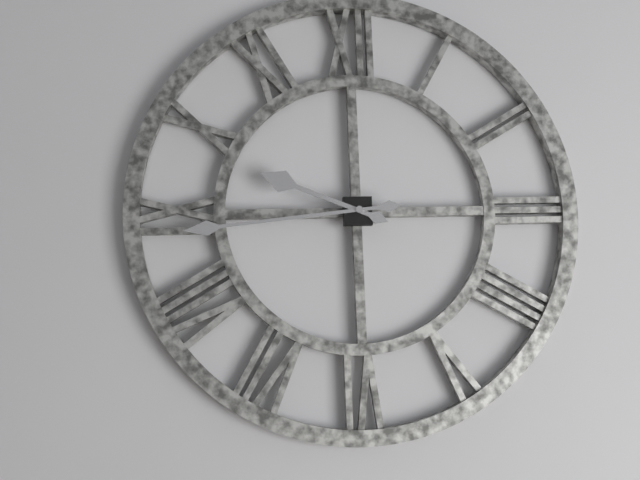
9:44
